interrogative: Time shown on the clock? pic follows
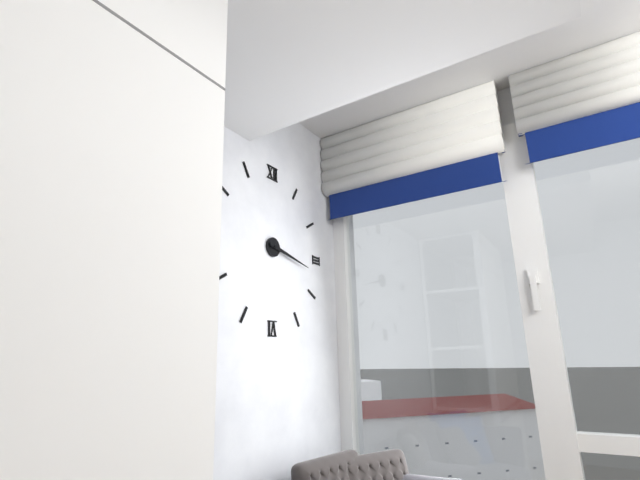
3:17
